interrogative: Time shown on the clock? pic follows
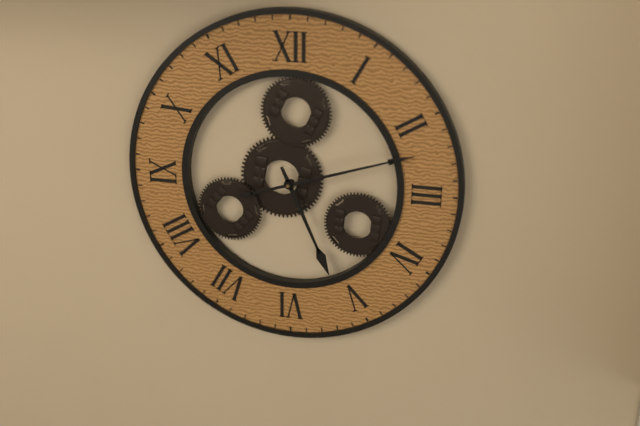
5:12
